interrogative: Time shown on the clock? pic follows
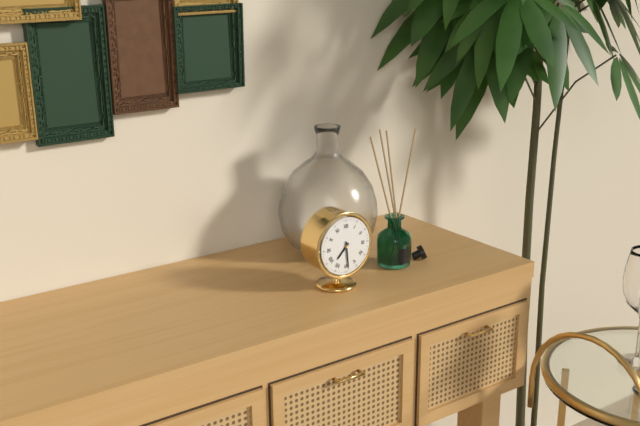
7:29
